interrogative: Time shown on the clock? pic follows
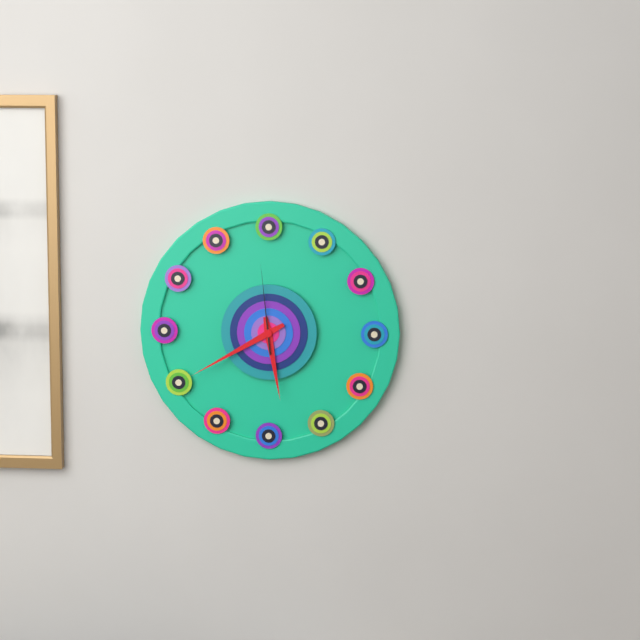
5:40:59
